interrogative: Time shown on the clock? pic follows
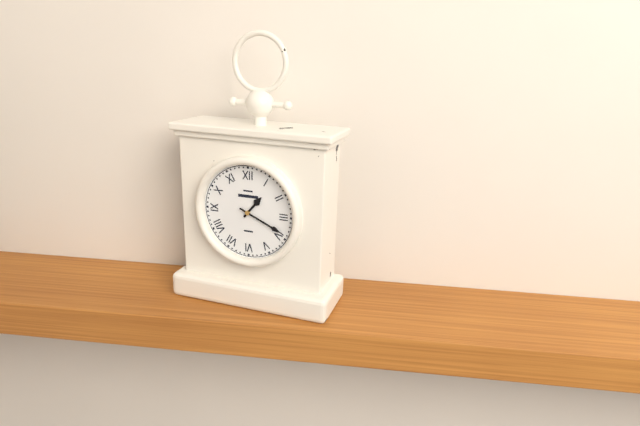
1:19
